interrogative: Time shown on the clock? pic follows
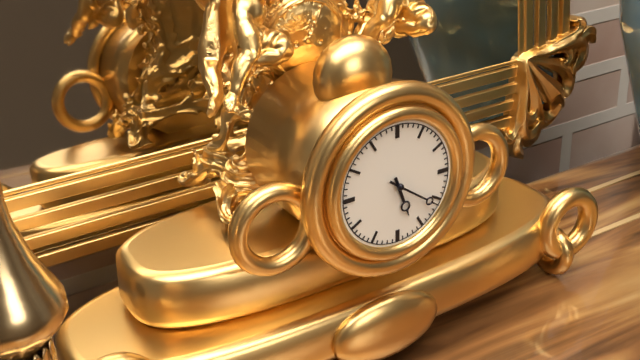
5:21
